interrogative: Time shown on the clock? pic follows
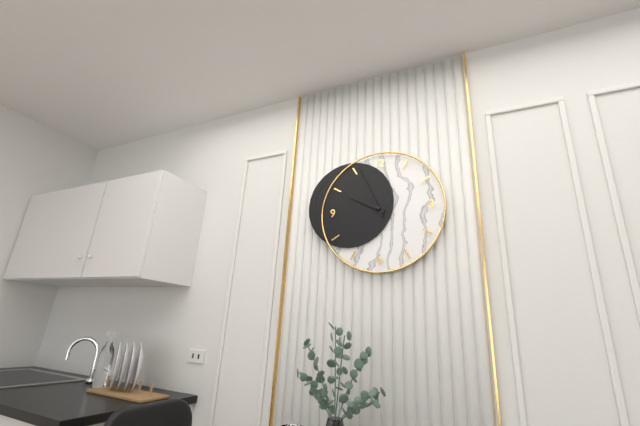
9:56
